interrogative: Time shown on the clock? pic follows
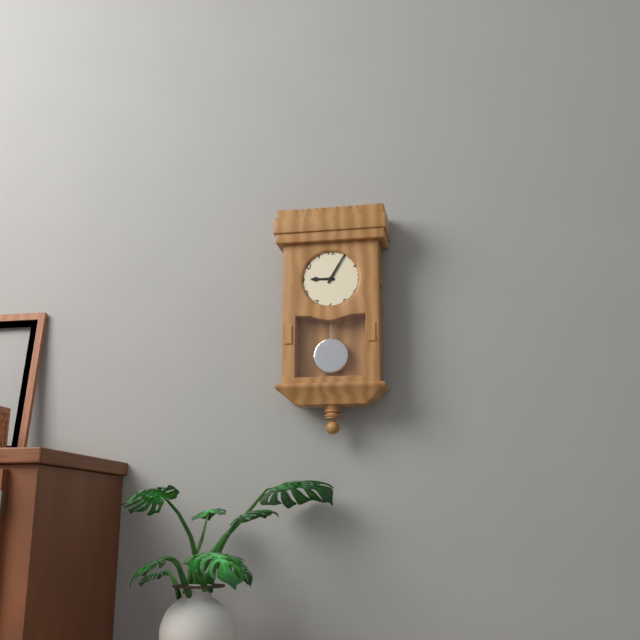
9:05
